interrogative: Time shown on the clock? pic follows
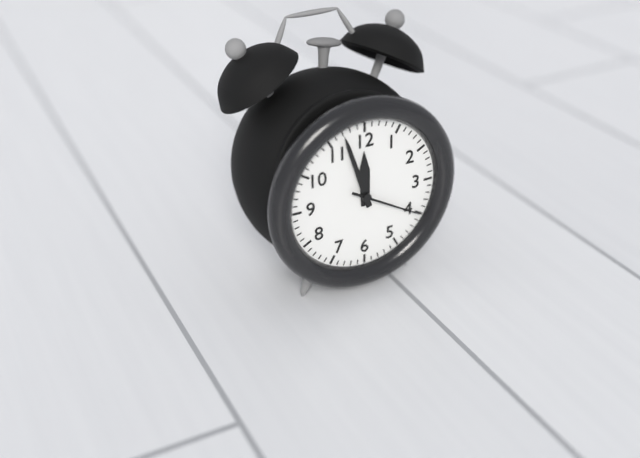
11:57:20
